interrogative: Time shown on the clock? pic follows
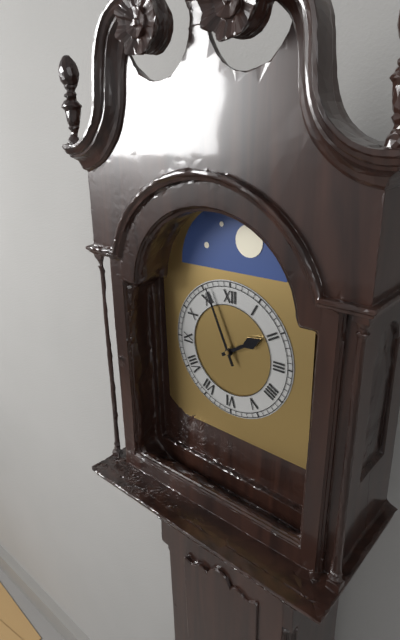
1:56
